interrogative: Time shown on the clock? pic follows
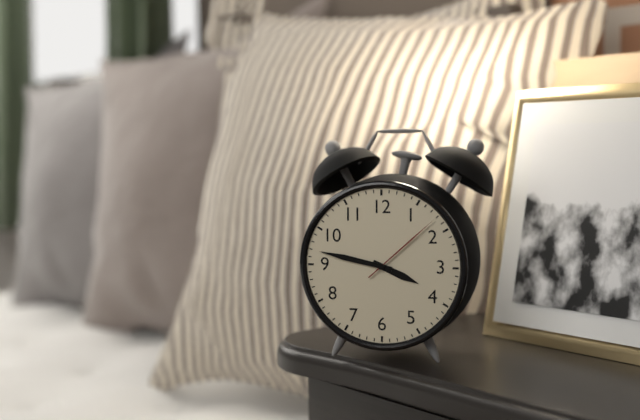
3:47:08
